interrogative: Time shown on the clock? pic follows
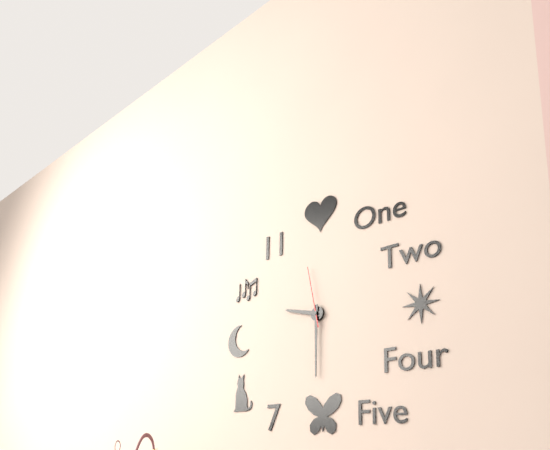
9:30:58
